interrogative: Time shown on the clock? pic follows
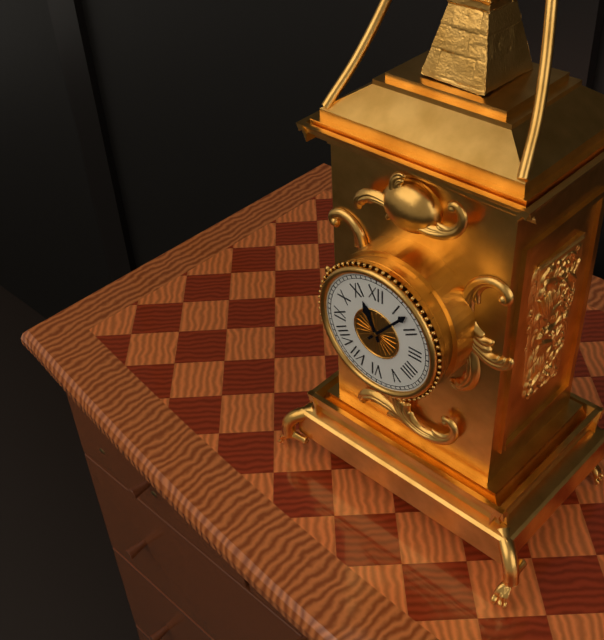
11:07
